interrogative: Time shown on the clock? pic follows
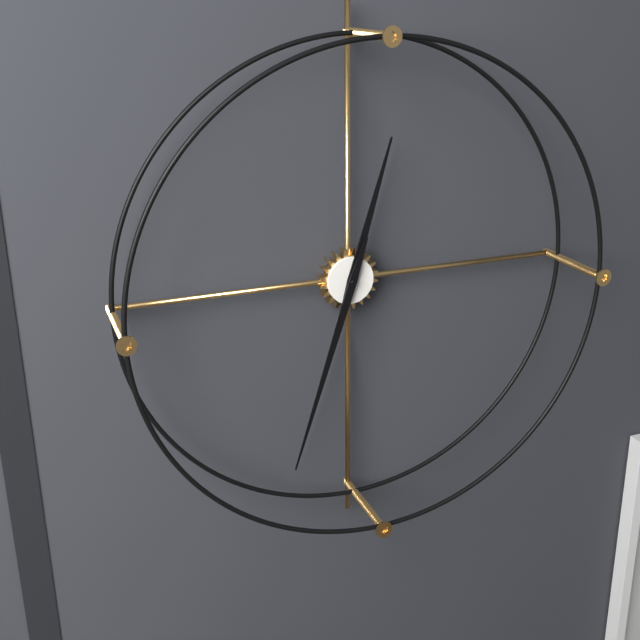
12:33
